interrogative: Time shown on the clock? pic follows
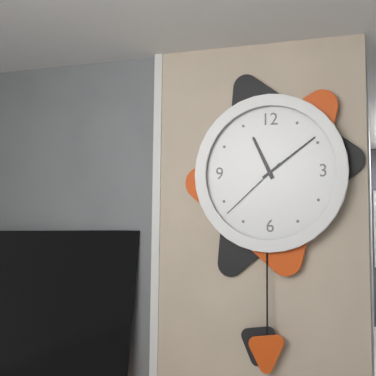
11:09:38
